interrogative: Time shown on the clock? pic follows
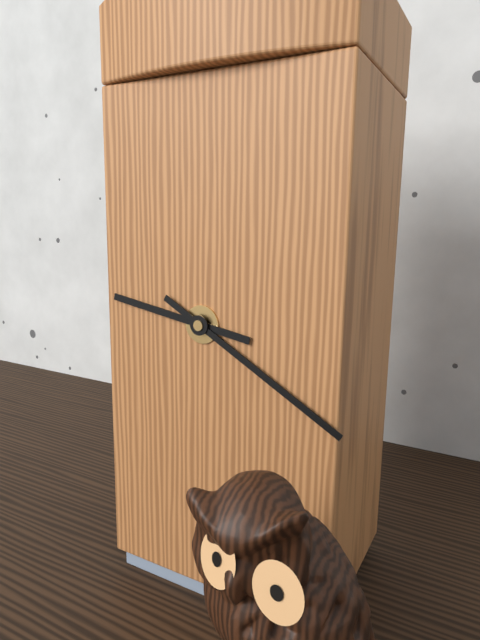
9:20
